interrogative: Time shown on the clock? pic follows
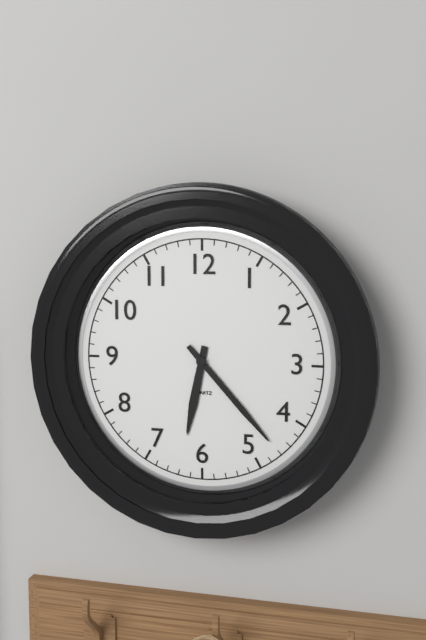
6:23
